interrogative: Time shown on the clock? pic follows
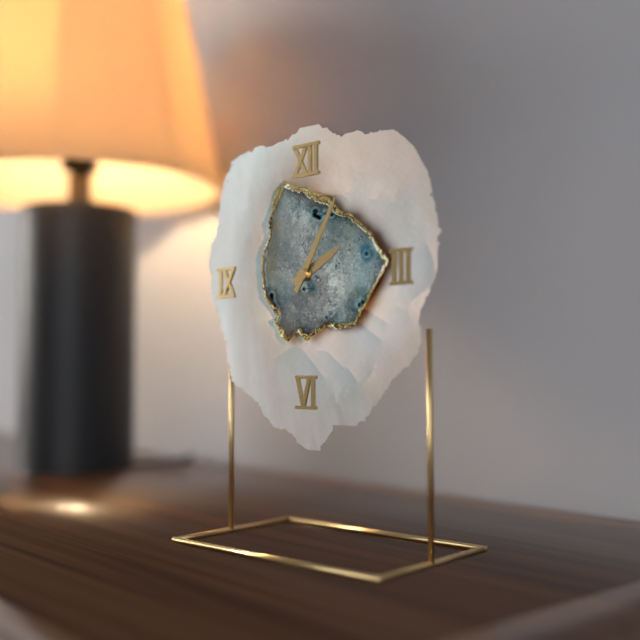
2:05
